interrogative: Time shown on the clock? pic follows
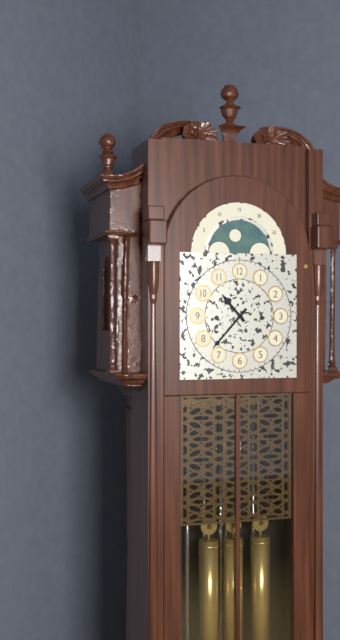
10:37
